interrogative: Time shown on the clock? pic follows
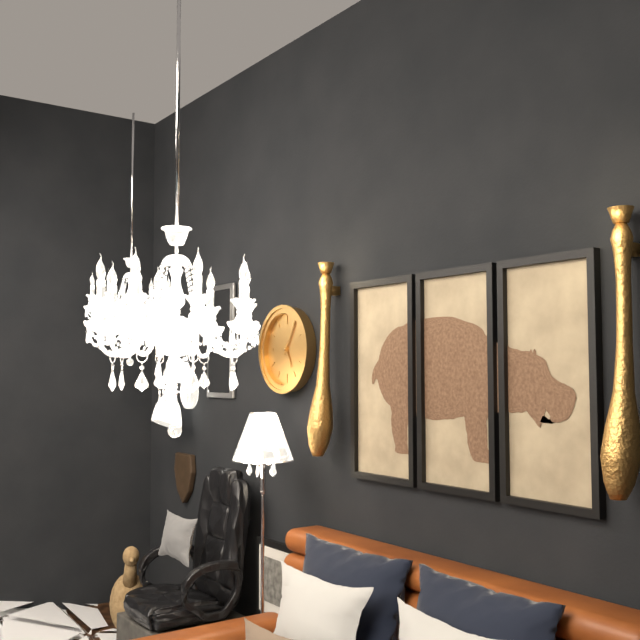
5:05
